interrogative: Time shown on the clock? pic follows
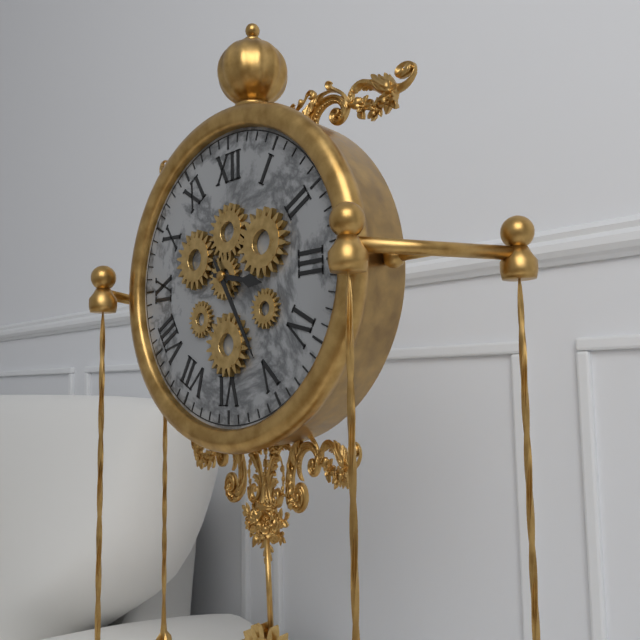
3:25
